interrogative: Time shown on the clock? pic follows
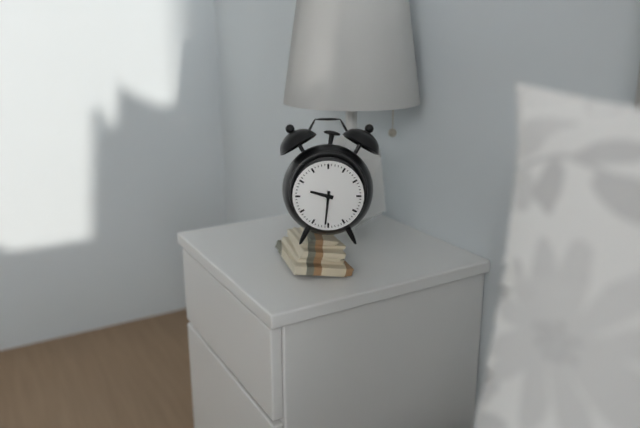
9:31
